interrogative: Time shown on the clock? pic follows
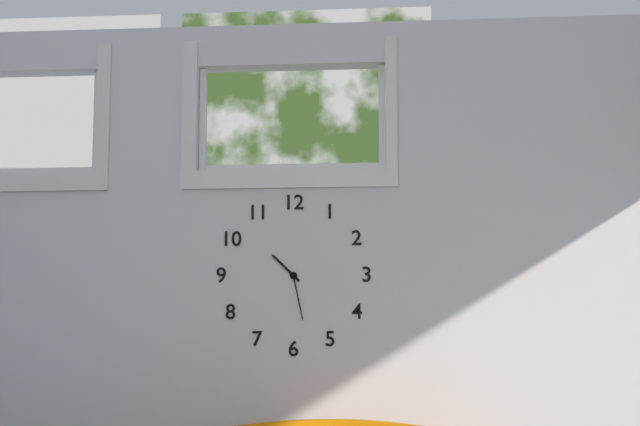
10:28
